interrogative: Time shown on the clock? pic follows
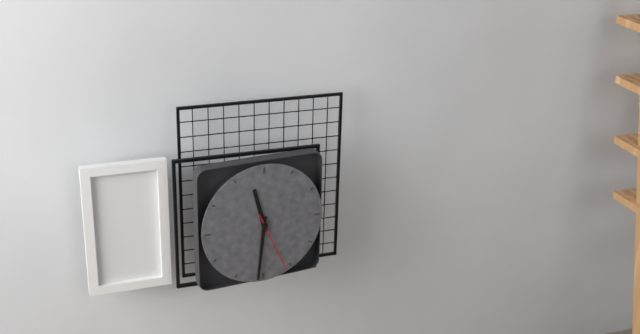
11:31:26
